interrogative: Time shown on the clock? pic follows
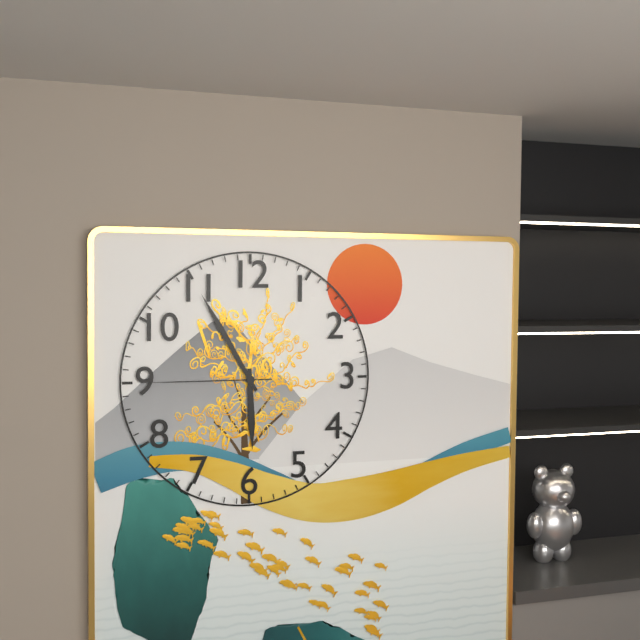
5:55:45
